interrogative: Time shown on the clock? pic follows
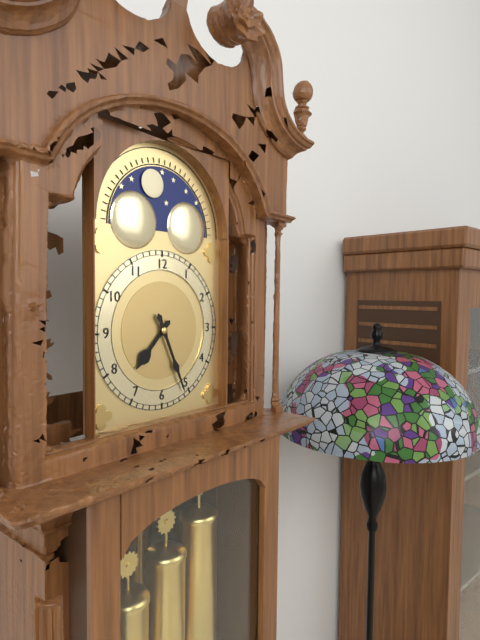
7:26
